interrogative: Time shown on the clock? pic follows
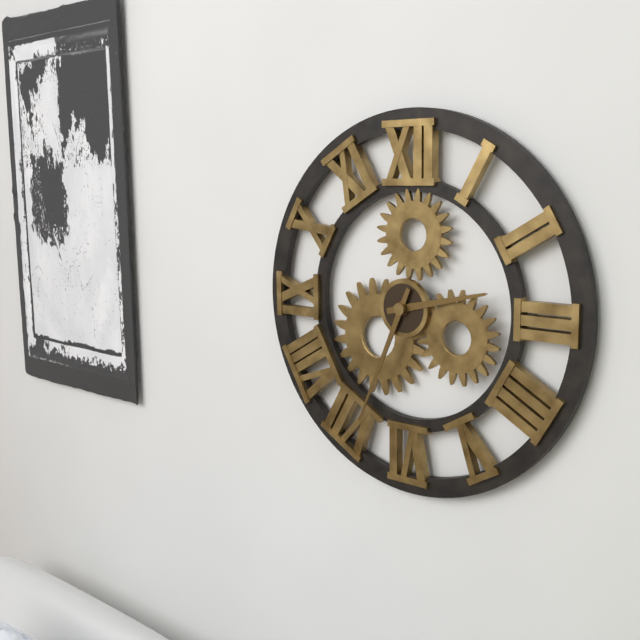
2:34
